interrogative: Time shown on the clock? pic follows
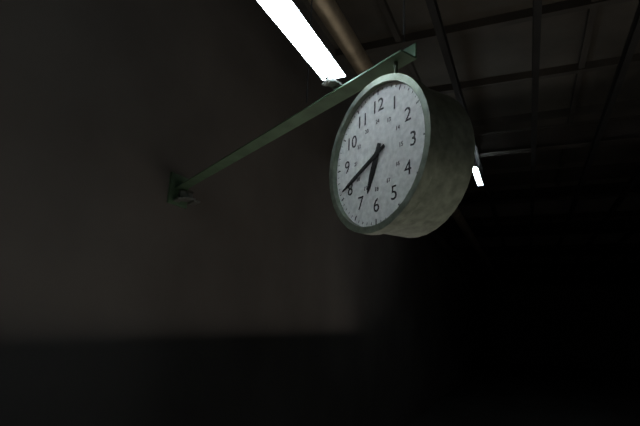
6:41
